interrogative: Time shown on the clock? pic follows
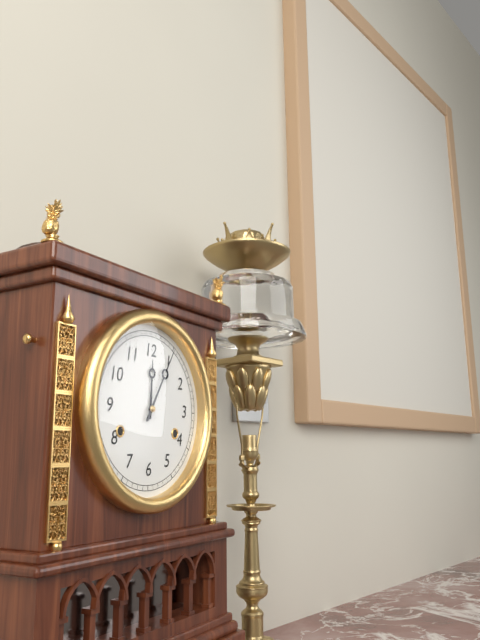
12:05
